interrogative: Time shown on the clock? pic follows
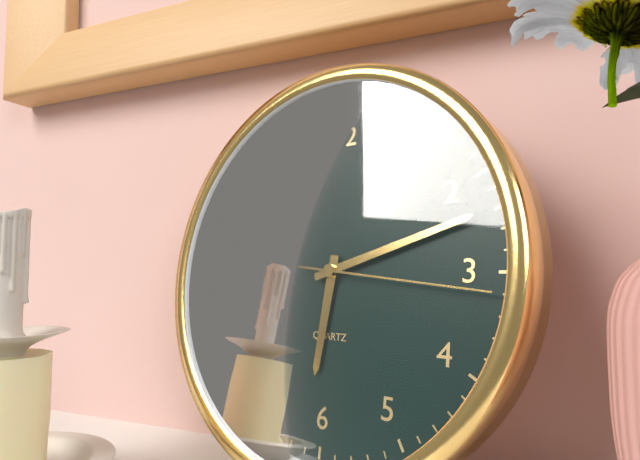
6:12:16
